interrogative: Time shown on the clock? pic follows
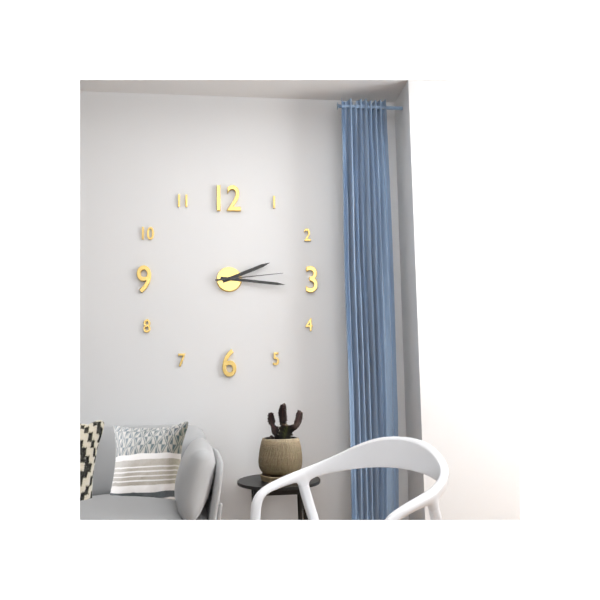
2:16:14
